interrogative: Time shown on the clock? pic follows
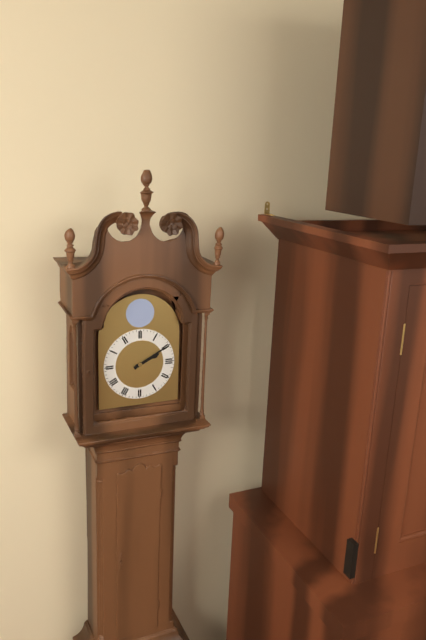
2:10
